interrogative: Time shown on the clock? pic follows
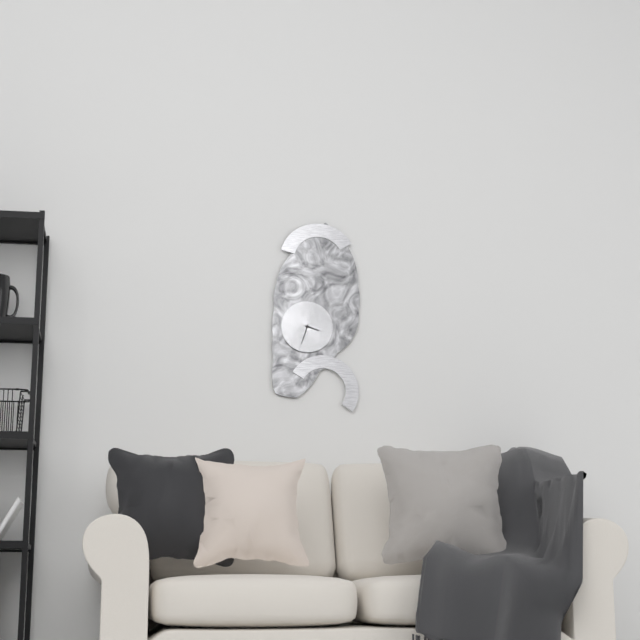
3:33
